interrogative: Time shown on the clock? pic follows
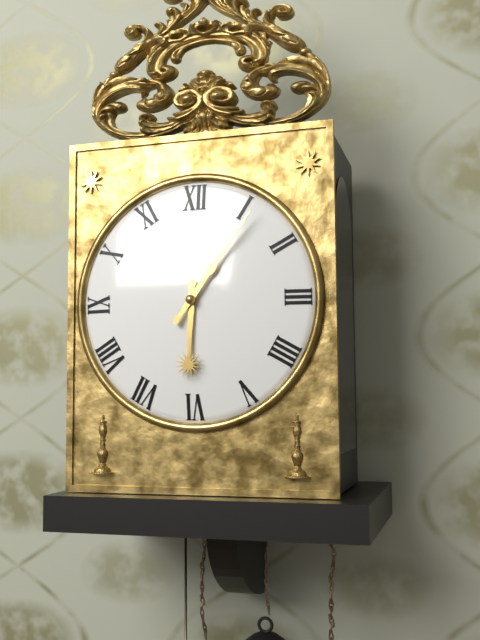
6:06
